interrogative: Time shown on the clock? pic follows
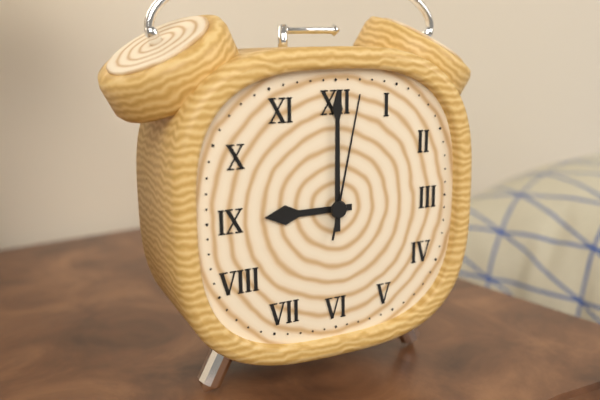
9:00:02
